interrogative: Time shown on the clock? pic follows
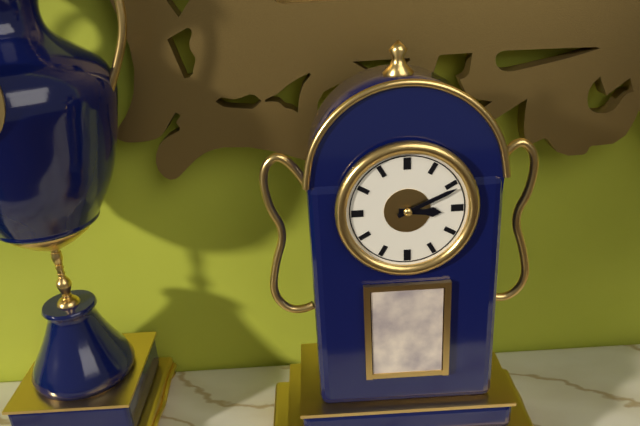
3:11
